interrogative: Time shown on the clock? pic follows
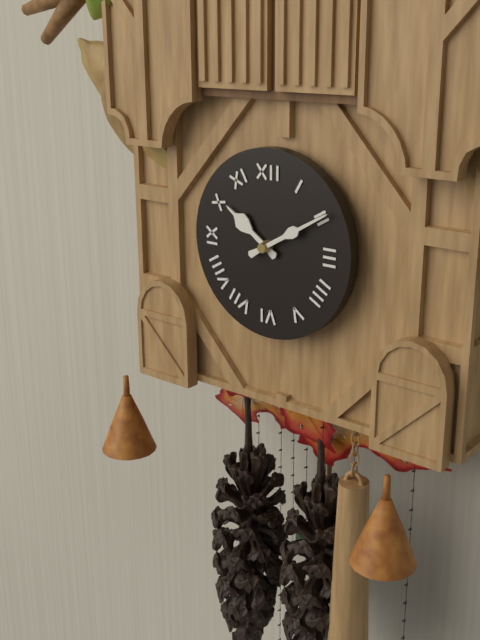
10:10
